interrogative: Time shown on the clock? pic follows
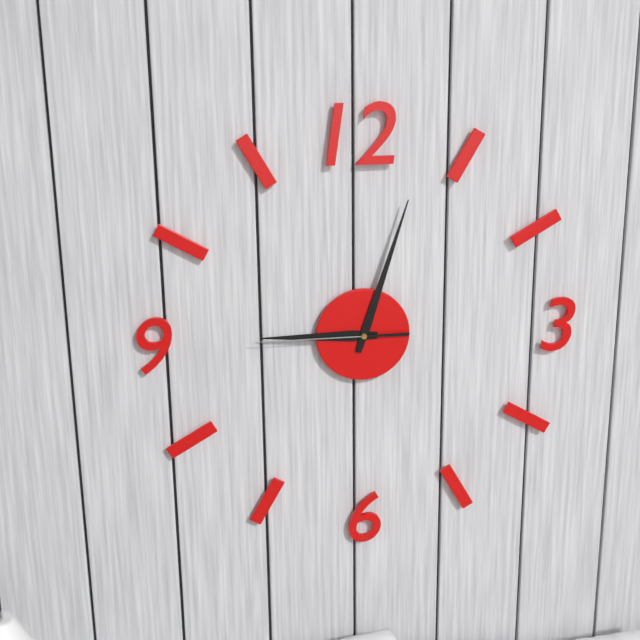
9:03:45
